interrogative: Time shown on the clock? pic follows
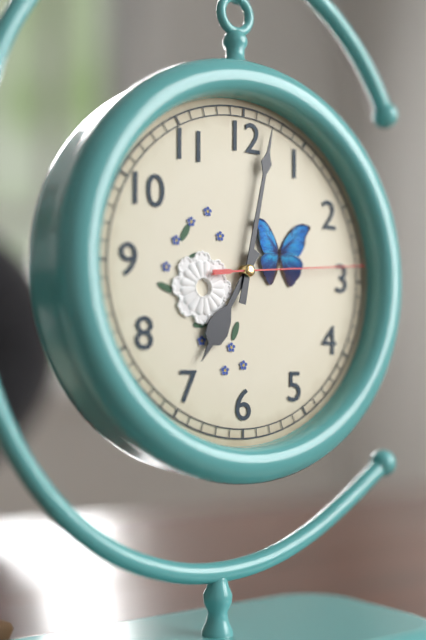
7:02:14
